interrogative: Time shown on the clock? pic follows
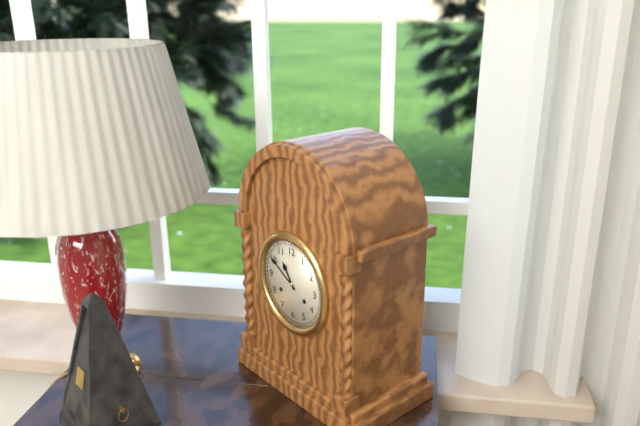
10:50
